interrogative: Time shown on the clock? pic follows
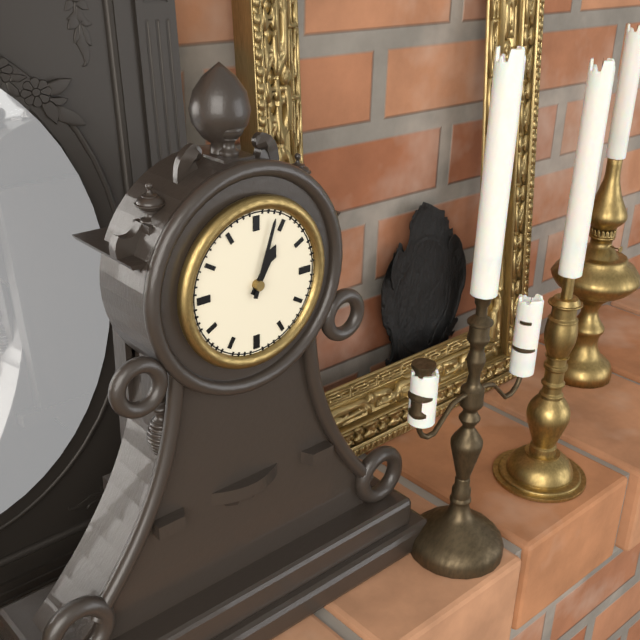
1:03
